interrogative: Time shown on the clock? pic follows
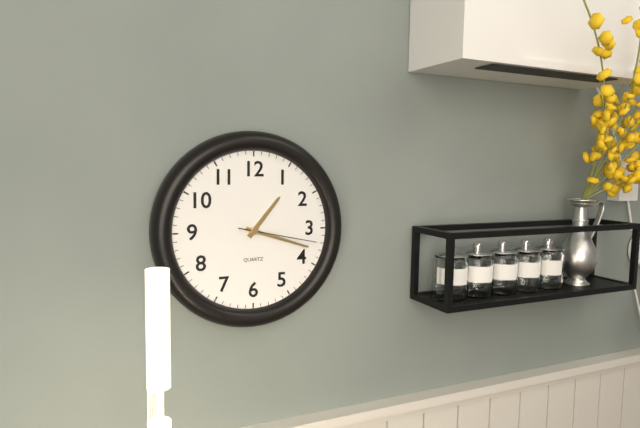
1:18:17
